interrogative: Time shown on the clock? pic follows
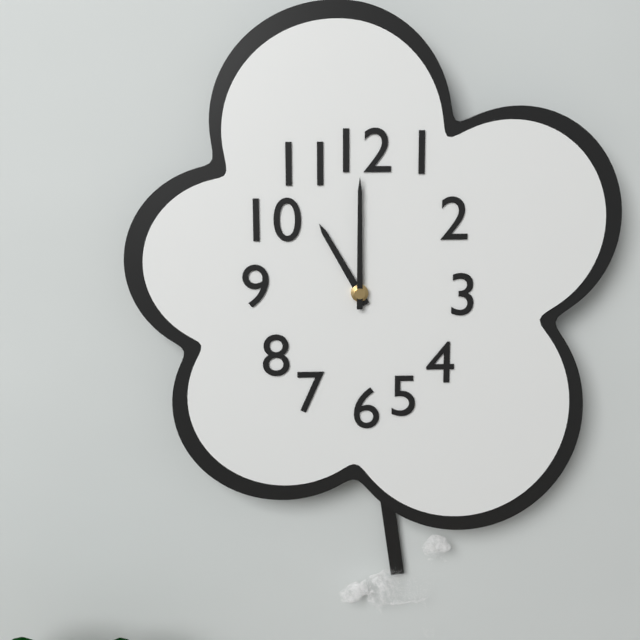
11:00
